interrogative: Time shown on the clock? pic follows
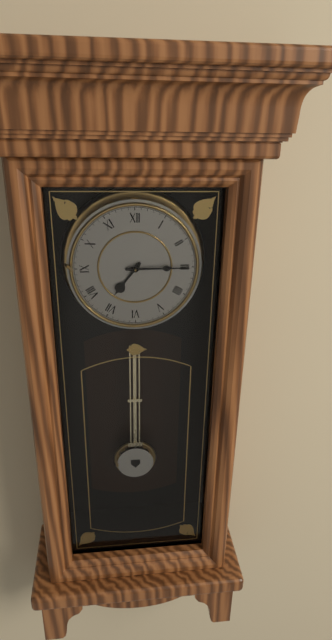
7:15
